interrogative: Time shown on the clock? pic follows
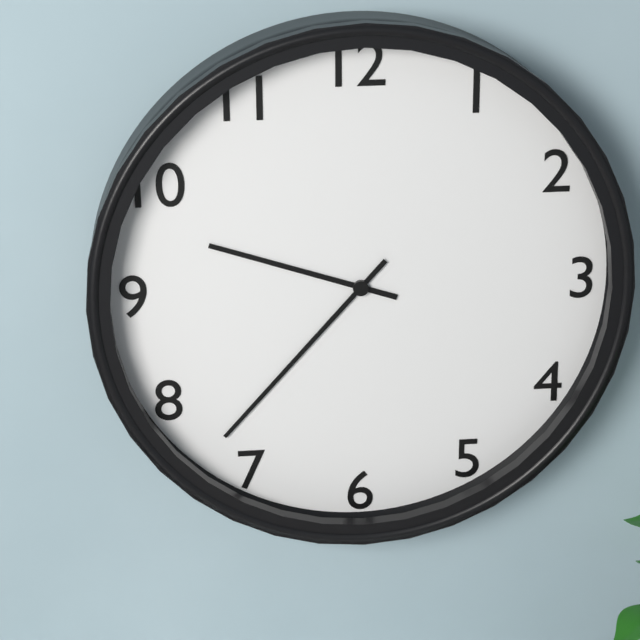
9:37
